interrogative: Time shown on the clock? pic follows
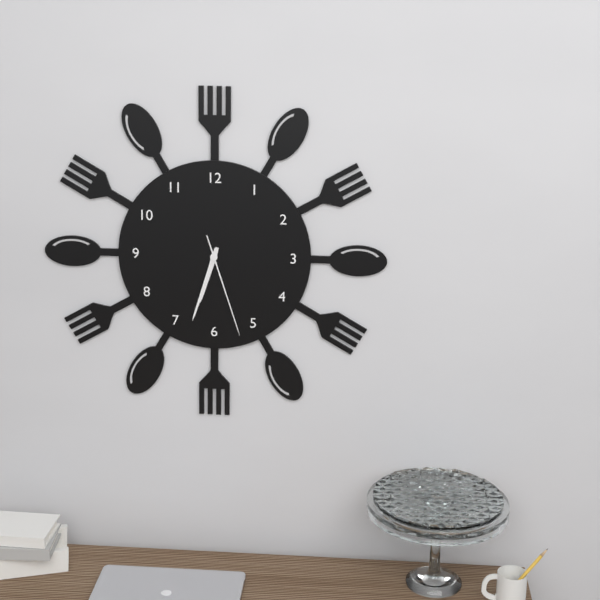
6:33:27
